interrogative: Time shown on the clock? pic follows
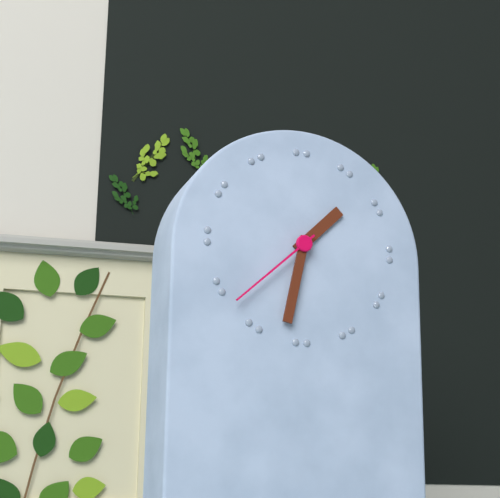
1:32:38
